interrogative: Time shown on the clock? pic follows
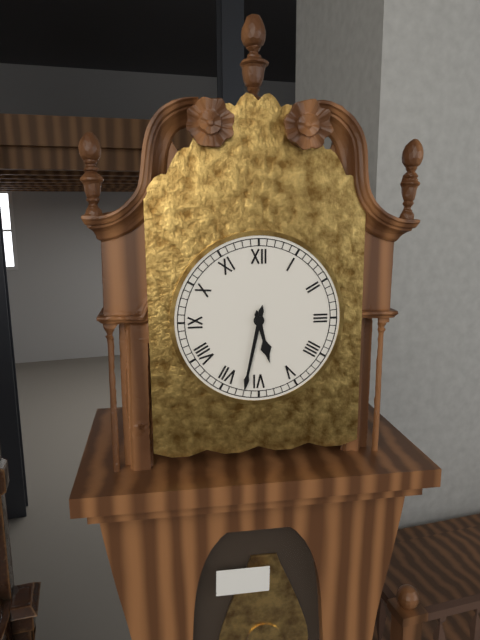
5:32
